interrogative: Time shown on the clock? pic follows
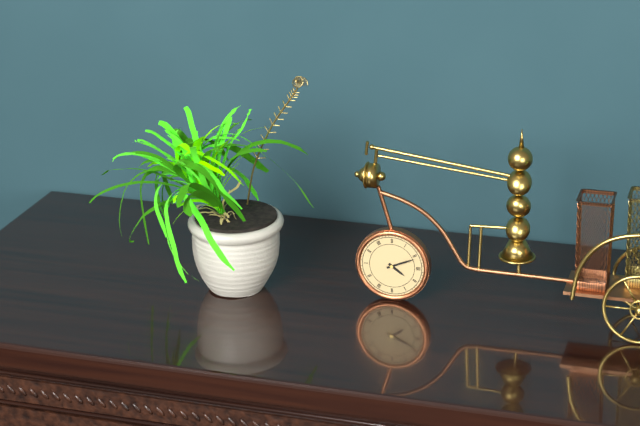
4:11
